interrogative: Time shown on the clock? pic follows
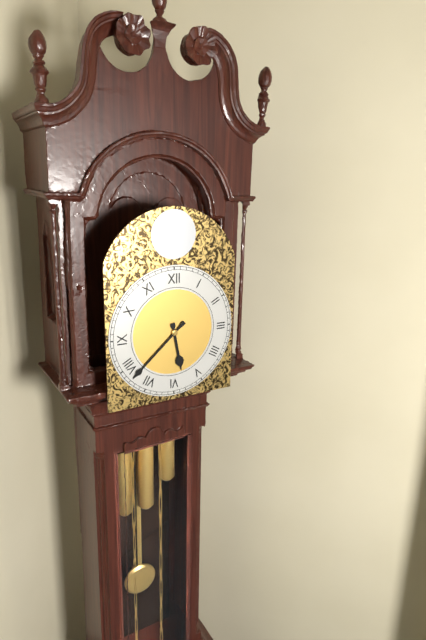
5:38
